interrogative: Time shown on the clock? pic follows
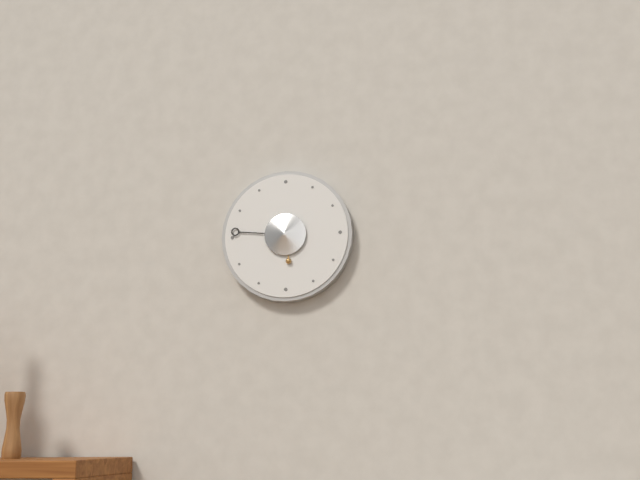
5:46
